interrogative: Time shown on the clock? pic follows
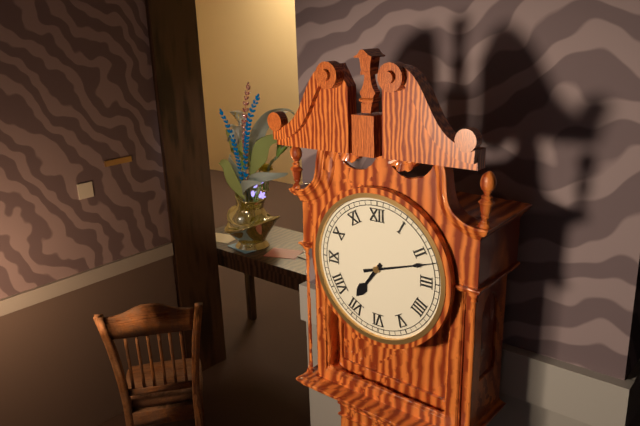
7:12
